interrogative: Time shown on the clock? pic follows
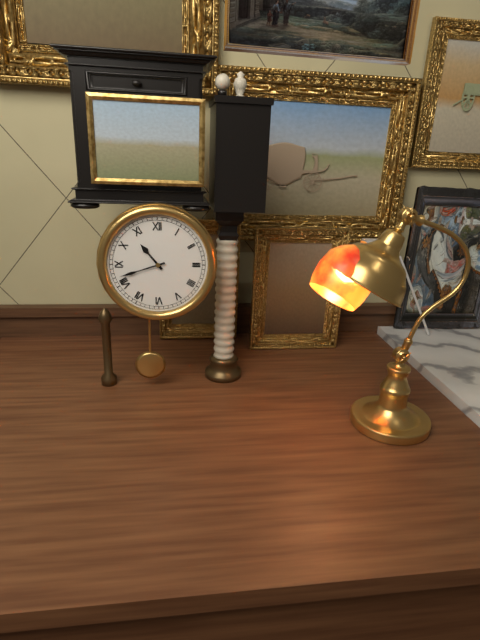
10:42
